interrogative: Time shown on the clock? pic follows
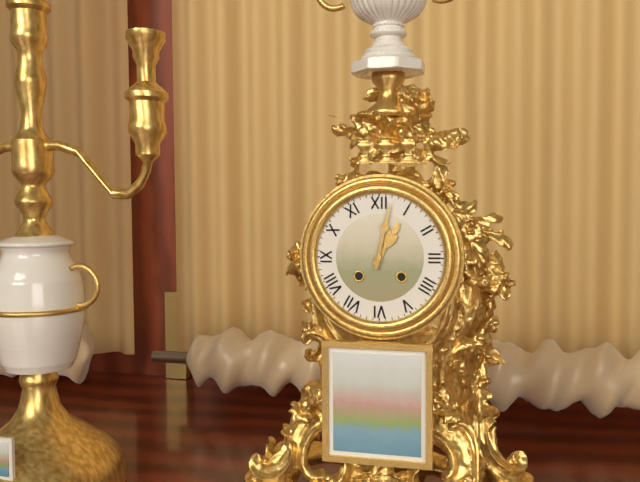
1:02
